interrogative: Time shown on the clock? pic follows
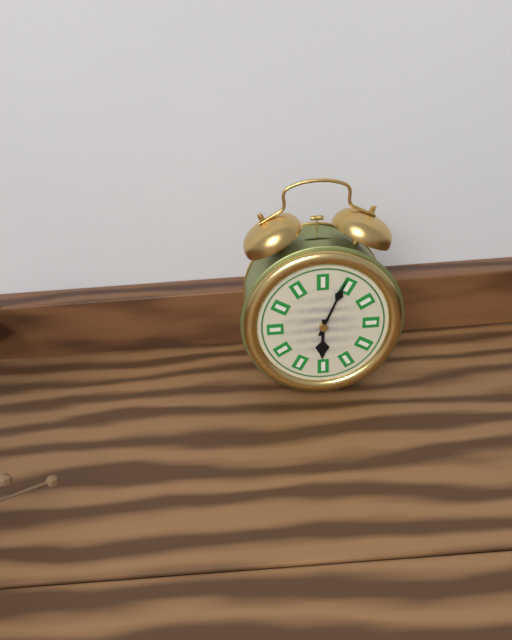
6:04
